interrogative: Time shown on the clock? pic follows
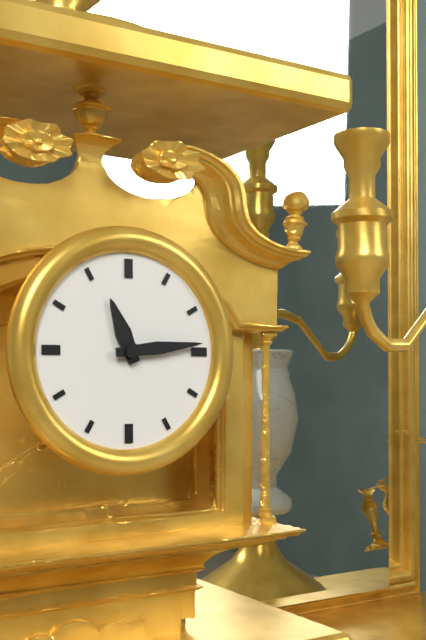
11:14
